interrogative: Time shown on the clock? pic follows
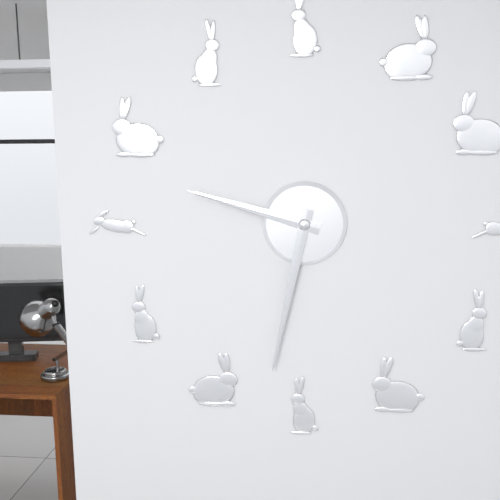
9:32
